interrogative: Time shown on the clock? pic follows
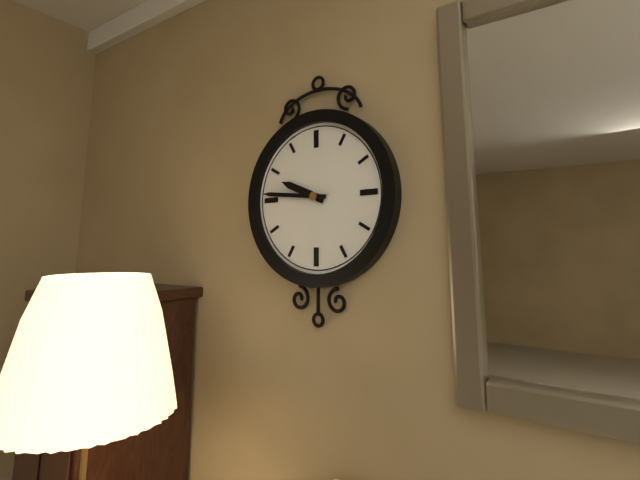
9:46
